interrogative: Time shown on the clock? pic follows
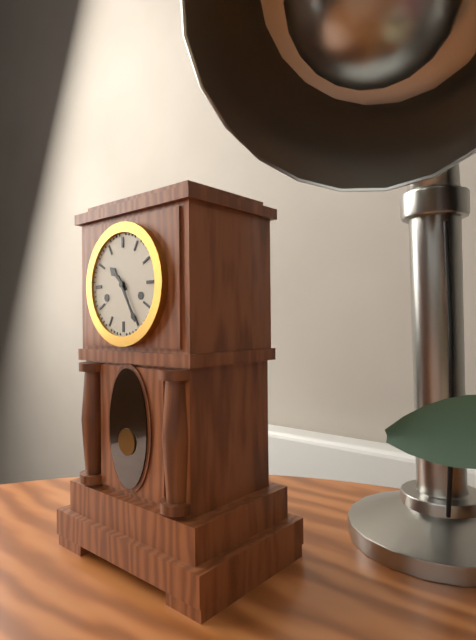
10:25
